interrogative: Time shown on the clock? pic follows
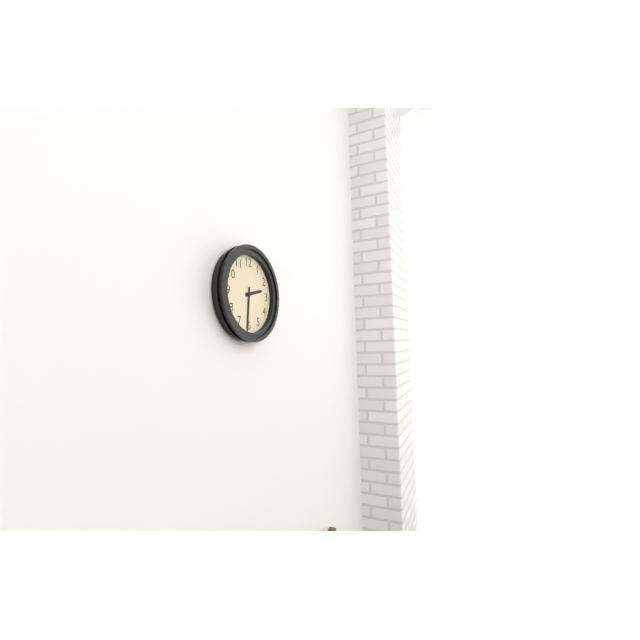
2:31
